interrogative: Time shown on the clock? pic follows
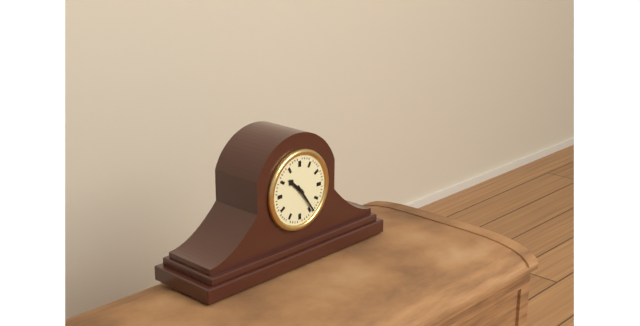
10:24
